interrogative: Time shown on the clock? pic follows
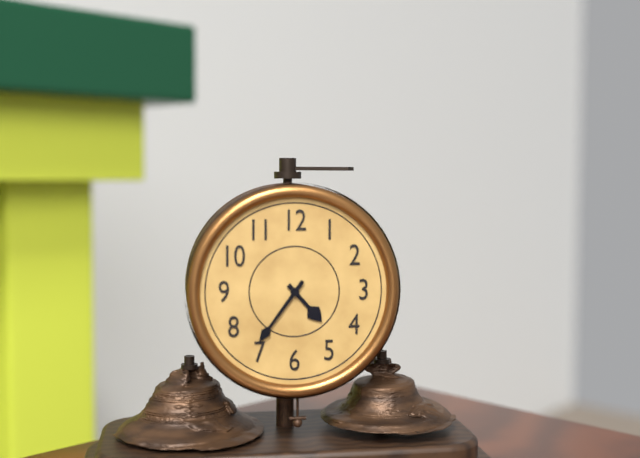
4:36
